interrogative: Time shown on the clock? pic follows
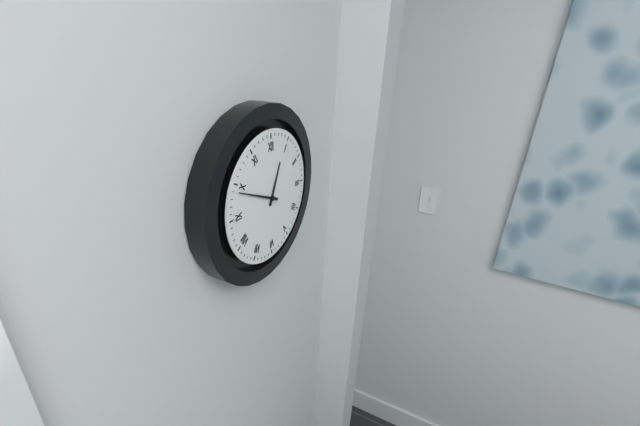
12:49
